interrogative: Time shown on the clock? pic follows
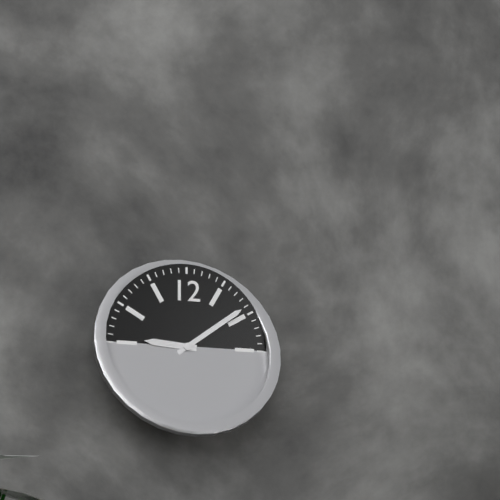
9:09
